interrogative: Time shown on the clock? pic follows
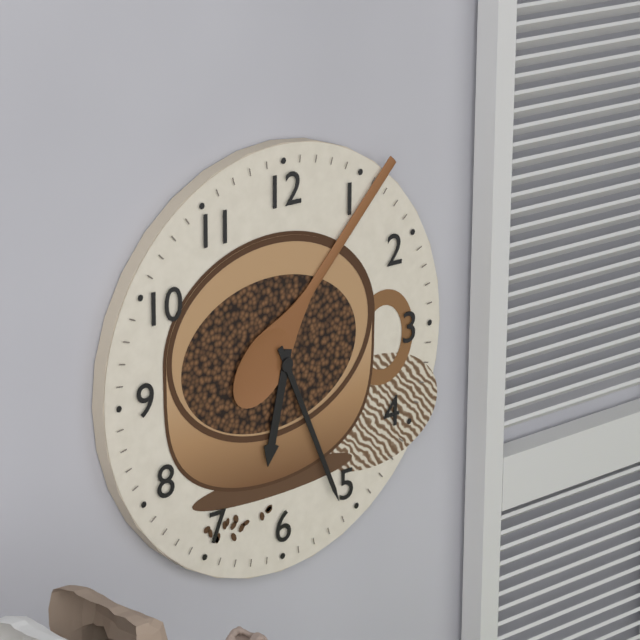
6:26
